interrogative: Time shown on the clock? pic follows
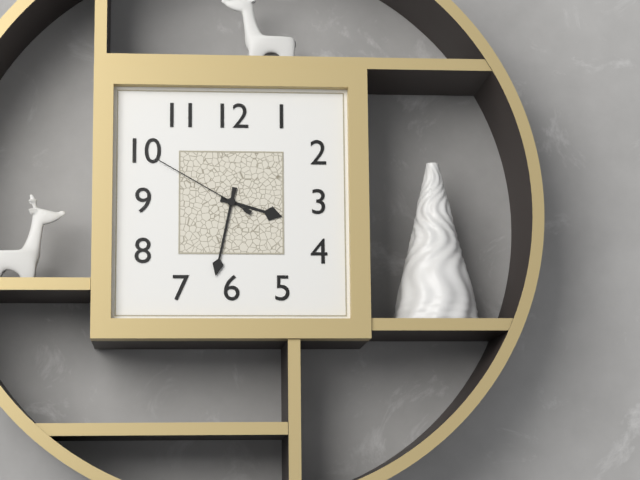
3:32:50
